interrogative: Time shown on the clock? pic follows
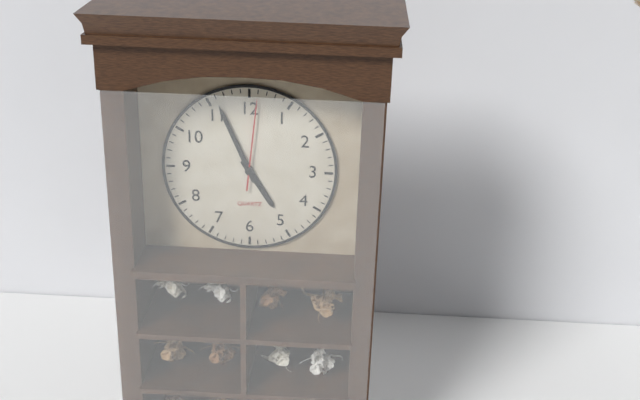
4:56:01
